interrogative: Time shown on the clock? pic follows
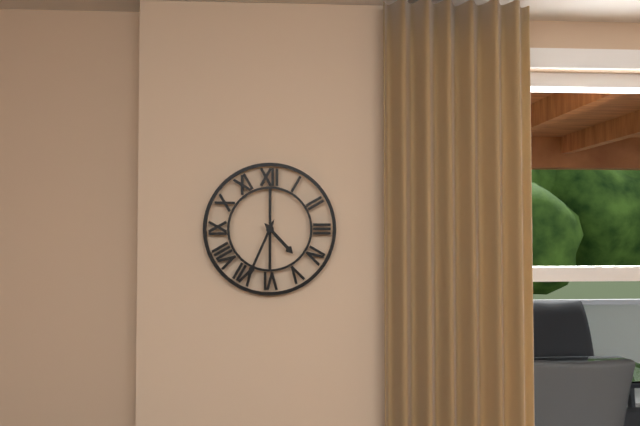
4:34
